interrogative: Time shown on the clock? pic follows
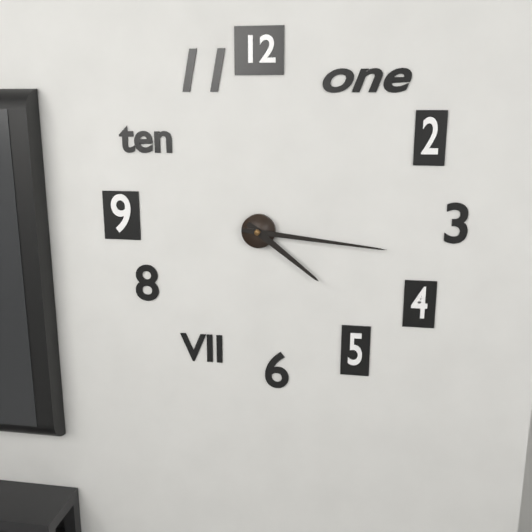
4:16
